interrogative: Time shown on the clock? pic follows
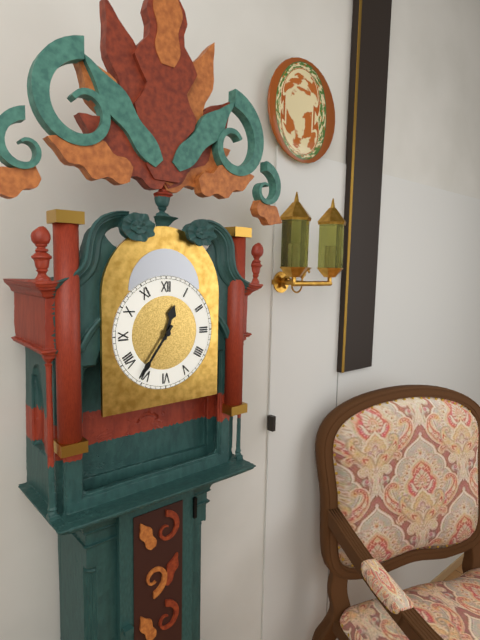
12:36
